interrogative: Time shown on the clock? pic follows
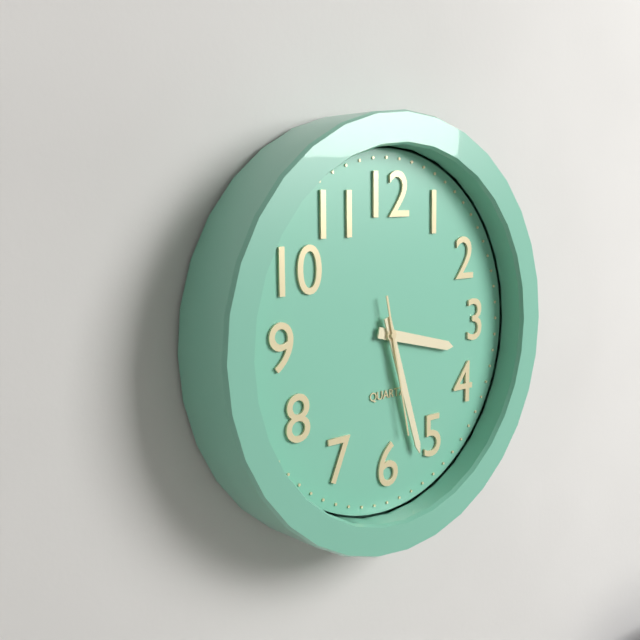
3:27:28
